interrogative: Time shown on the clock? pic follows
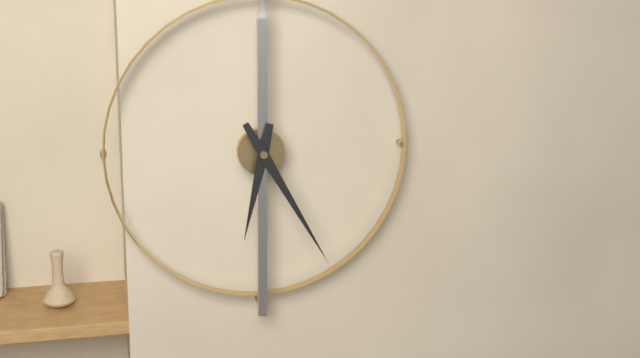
6:25
